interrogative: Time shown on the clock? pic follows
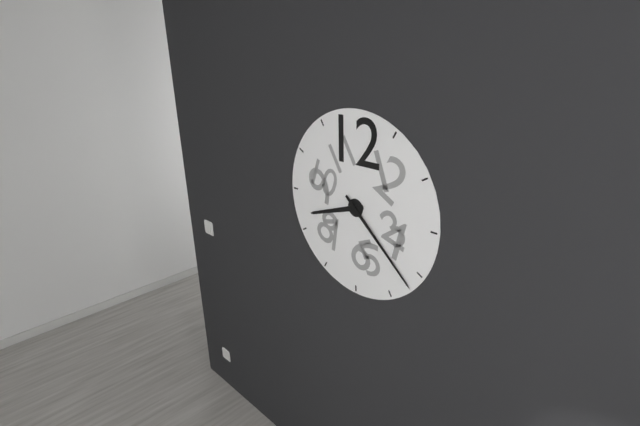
8:22
